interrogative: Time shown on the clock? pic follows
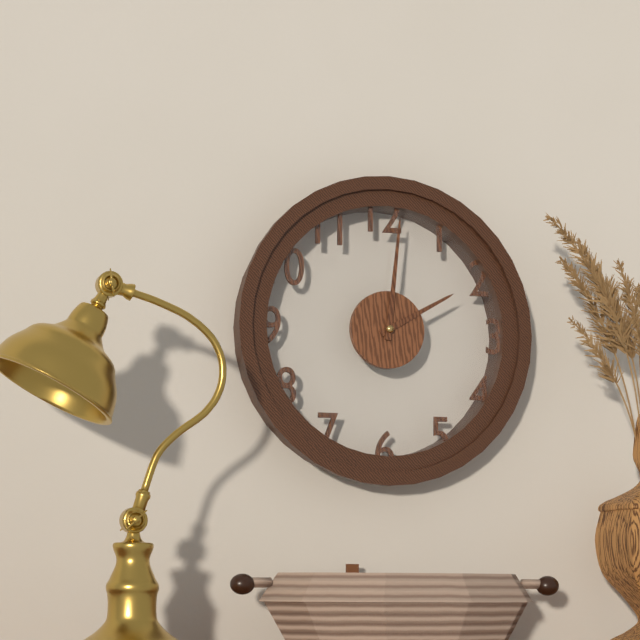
2:01
